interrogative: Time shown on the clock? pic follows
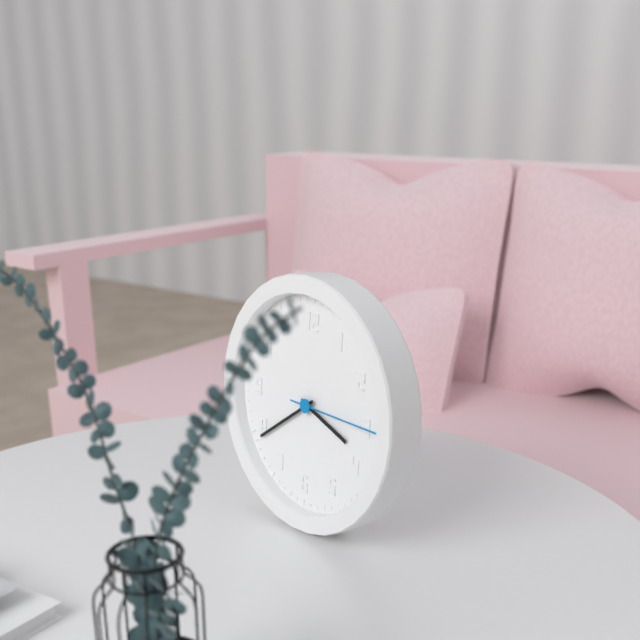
3:39:15
